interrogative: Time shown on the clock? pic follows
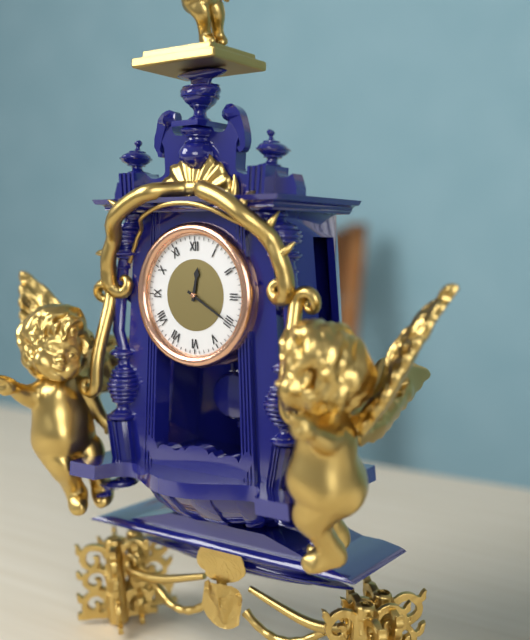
12:20
